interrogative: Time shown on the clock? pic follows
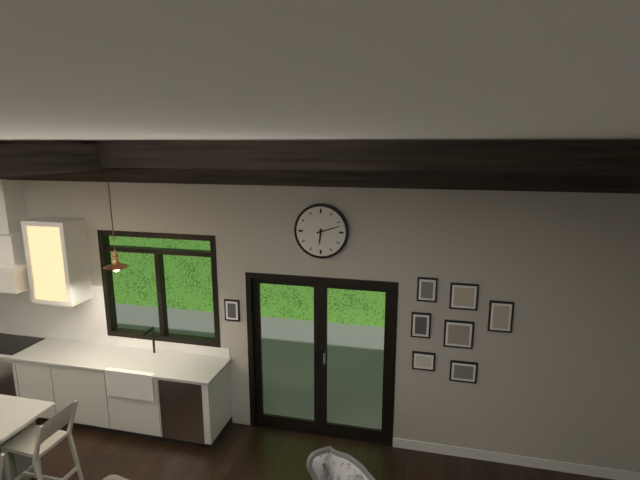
6:12
